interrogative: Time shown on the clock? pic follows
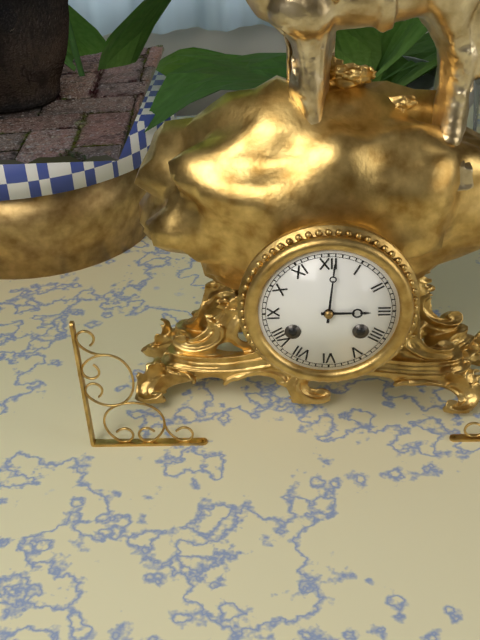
3:01
